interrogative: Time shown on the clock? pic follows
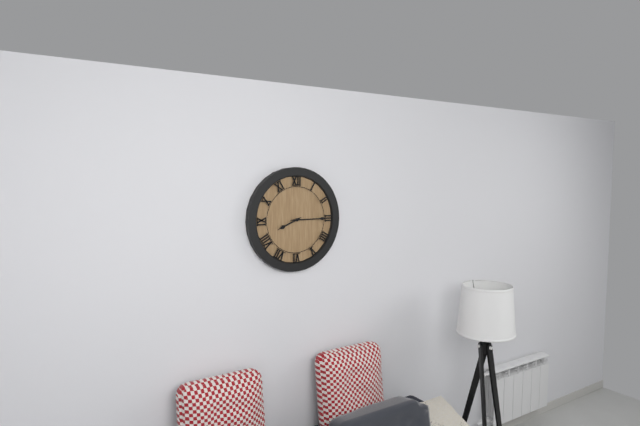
8:15
